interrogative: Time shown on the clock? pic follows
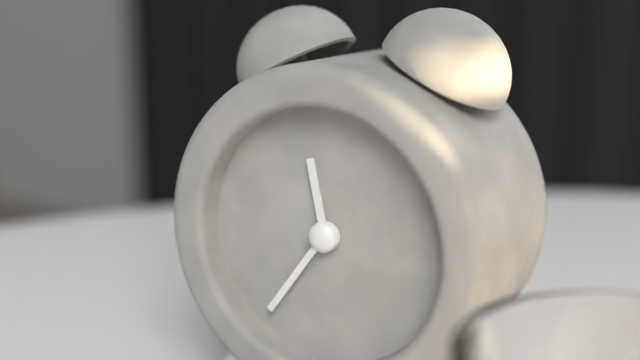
11:36
